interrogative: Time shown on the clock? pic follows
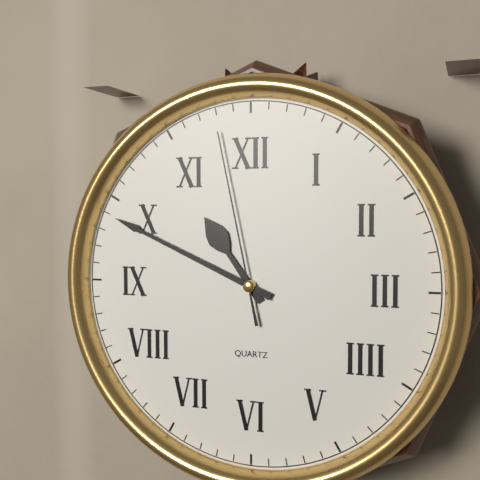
10:49:58
